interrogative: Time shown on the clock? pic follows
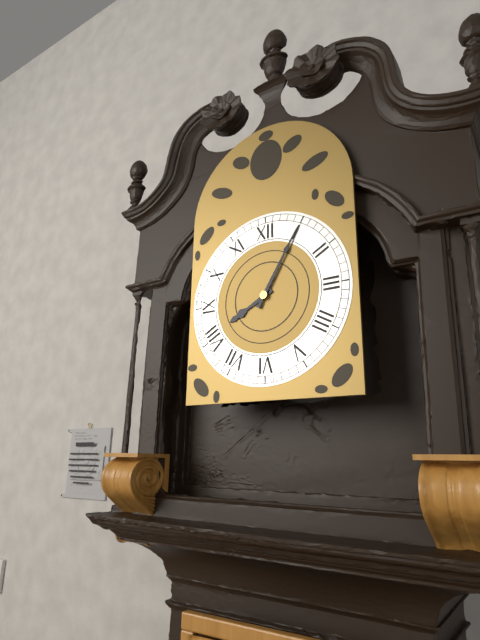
8:05
